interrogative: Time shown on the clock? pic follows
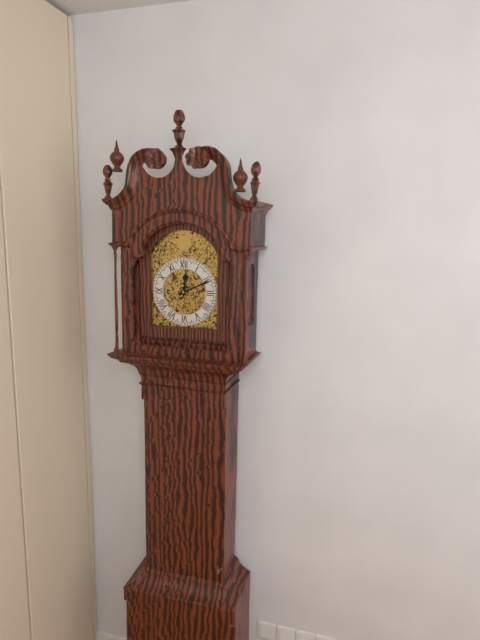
12:11
